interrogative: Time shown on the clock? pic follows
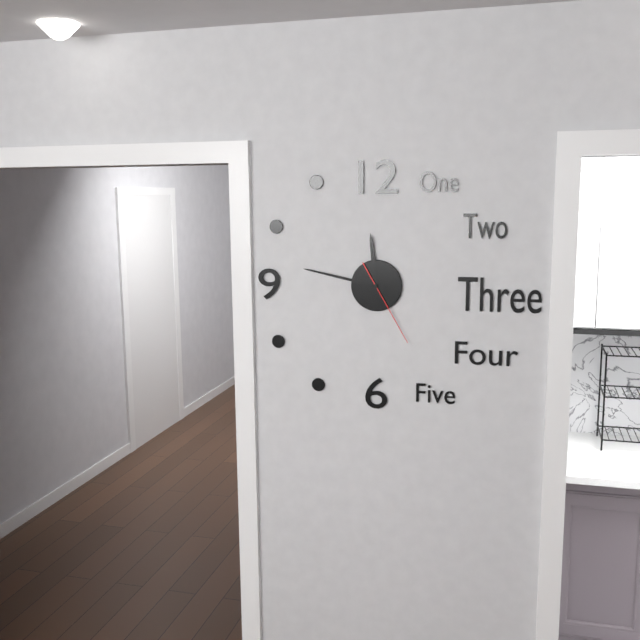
11:47:25
